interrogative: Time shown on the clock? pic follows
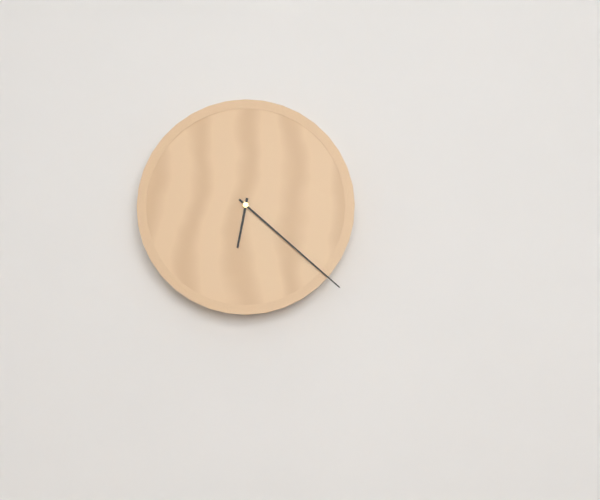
6:22
